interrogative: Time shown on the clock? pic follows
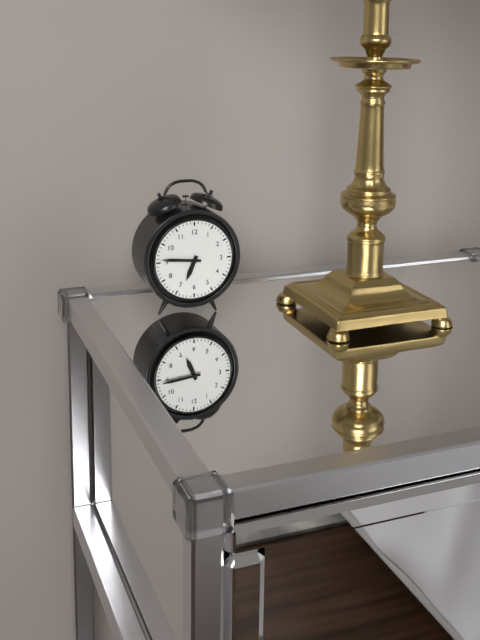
6:46
